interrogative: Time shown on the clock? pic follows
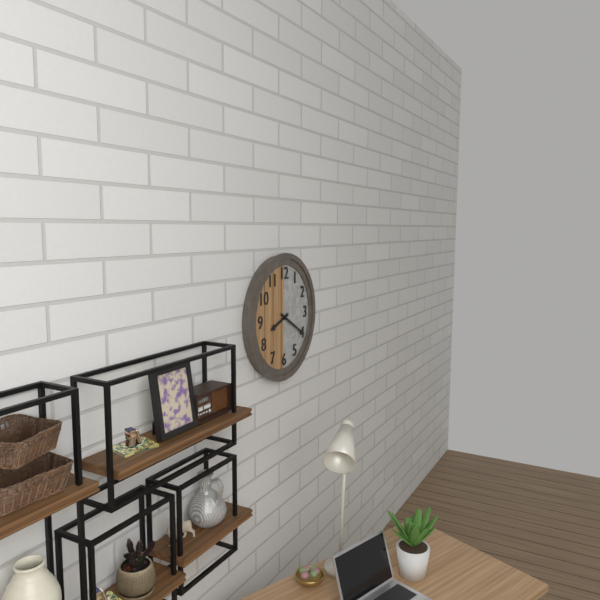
8:20
